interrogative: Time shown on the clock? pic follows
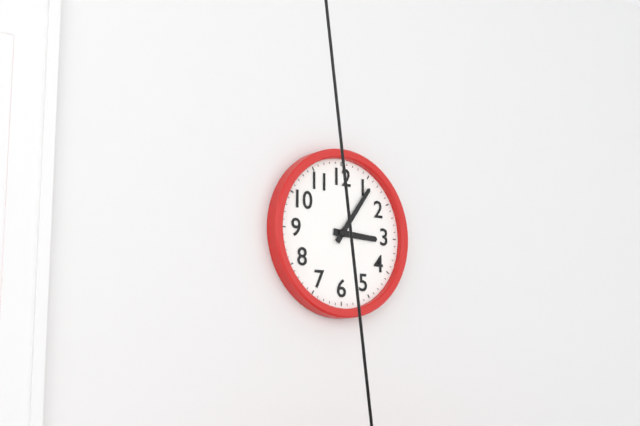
3:06
